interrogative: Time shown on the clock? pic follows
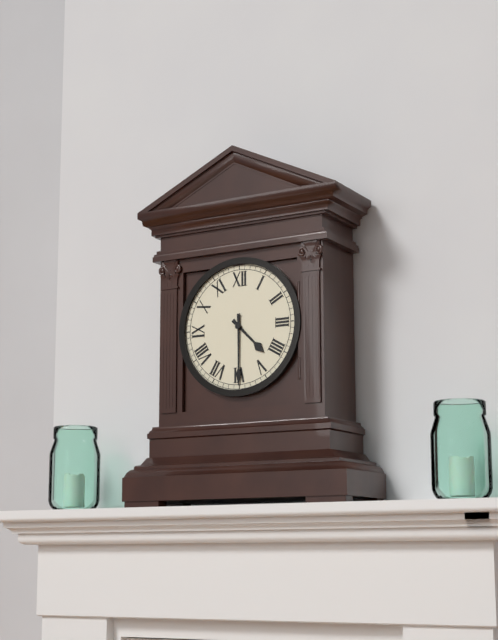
4:30
